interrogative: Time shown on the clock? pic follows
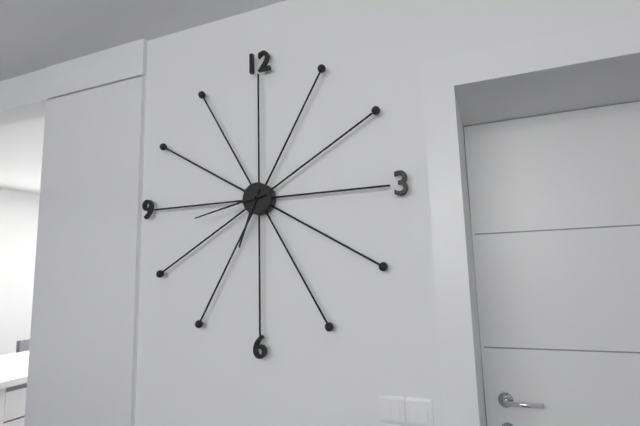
6:43
